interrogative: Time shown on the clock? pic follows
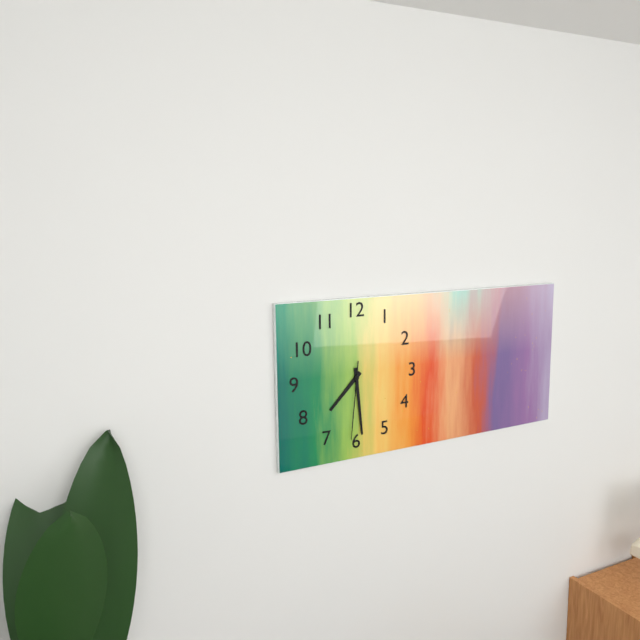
7:29:31
